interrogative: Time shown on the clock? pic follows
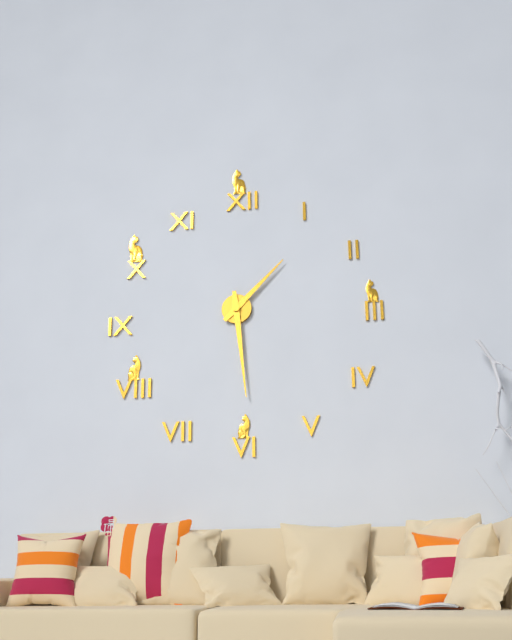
1:29
